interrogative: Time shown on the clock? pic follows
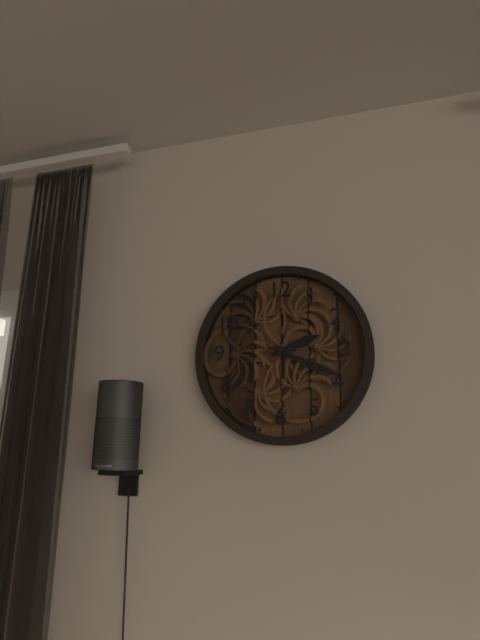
2:19
